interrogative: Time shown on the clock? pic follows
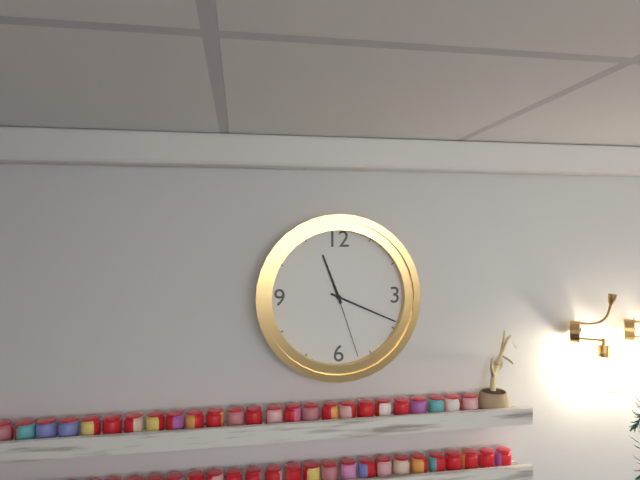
11:19:27
